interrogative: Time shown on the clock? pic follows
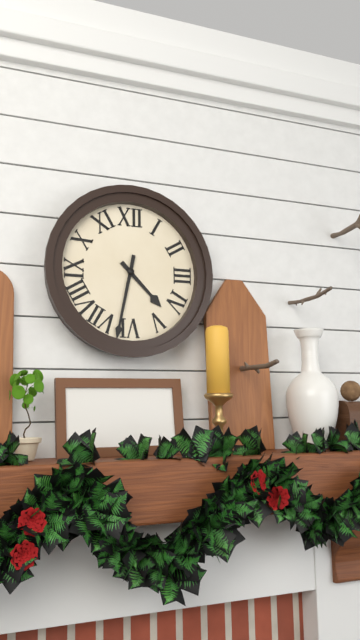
4:32
